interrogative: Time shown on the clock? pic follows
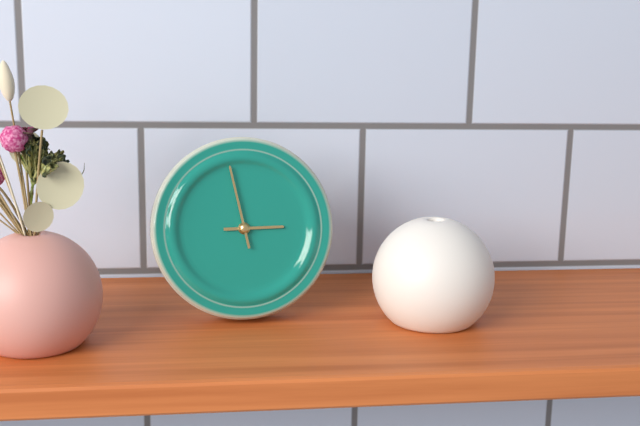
2:58
